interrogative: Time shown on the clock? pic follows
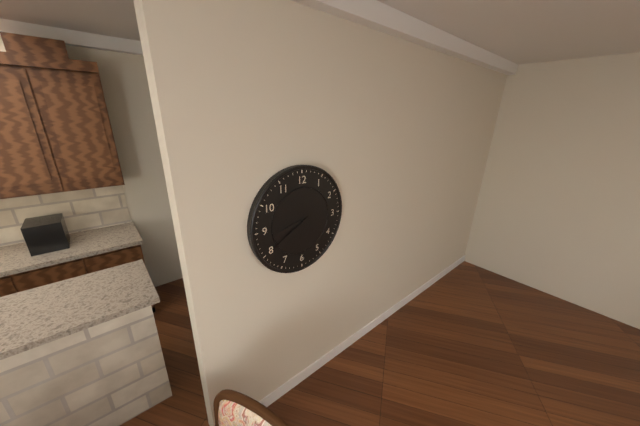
8:40
